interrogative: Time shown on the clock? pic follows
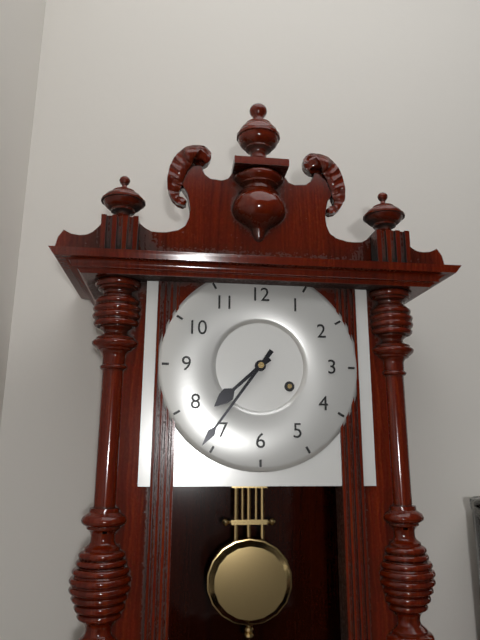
7:36
